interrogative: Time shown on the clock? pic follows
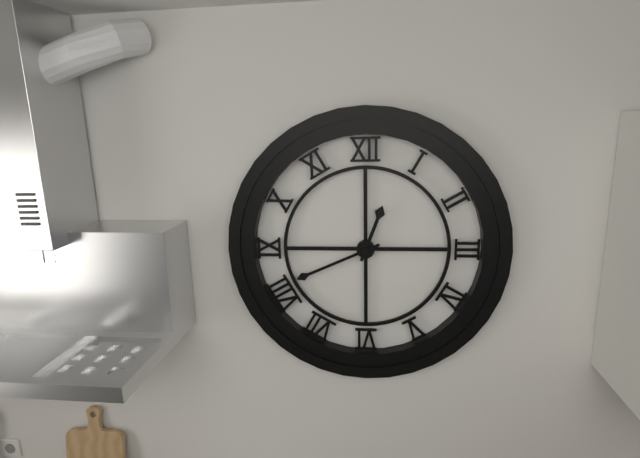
12:41
